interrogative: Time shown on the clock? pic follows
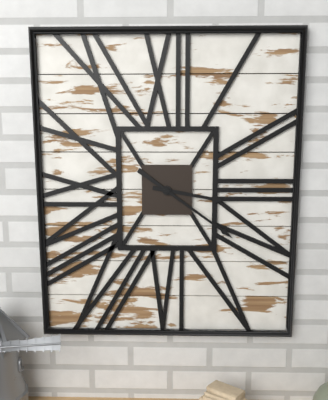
3:21
